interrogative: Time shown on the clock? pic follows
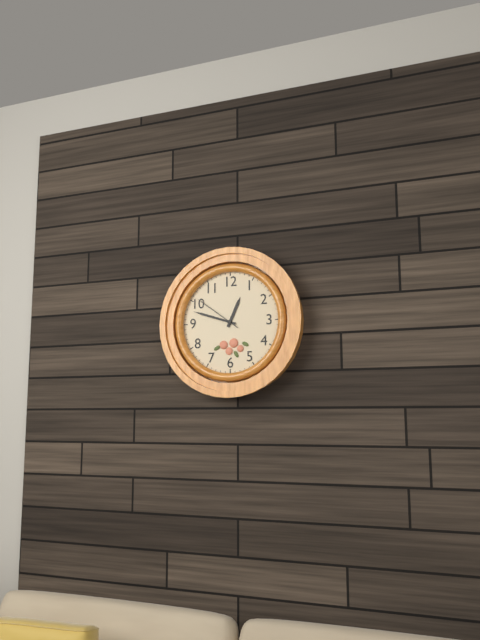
12:48
